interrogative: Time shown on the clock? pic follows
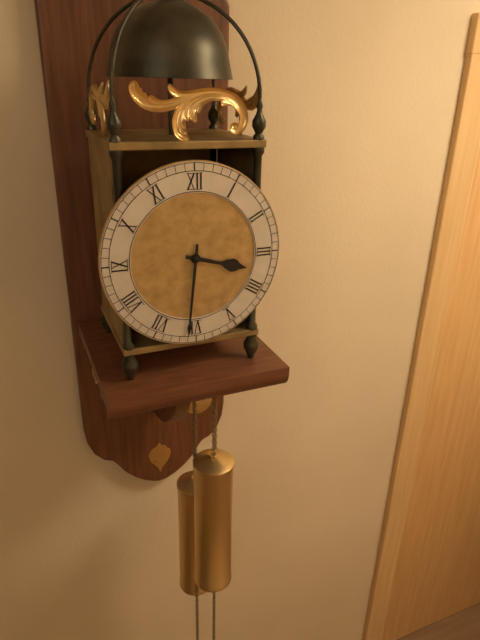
3:31
